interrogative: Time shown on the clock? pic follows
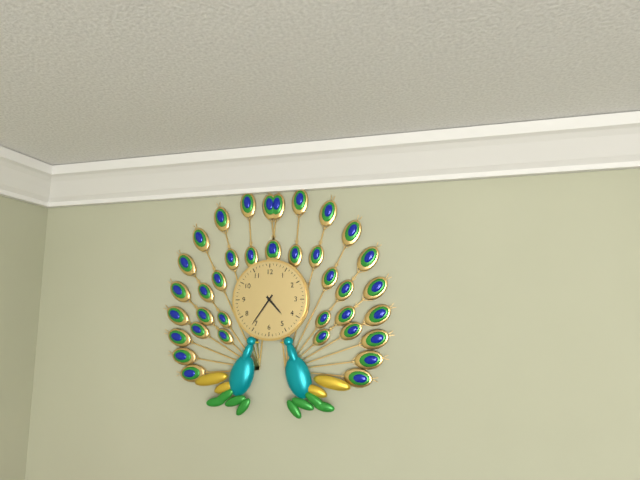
4:36
